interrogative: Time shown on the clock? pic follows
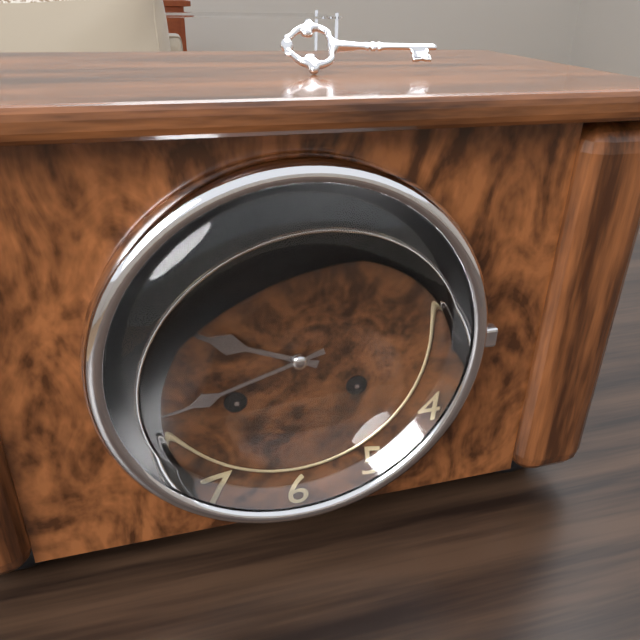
9:42
